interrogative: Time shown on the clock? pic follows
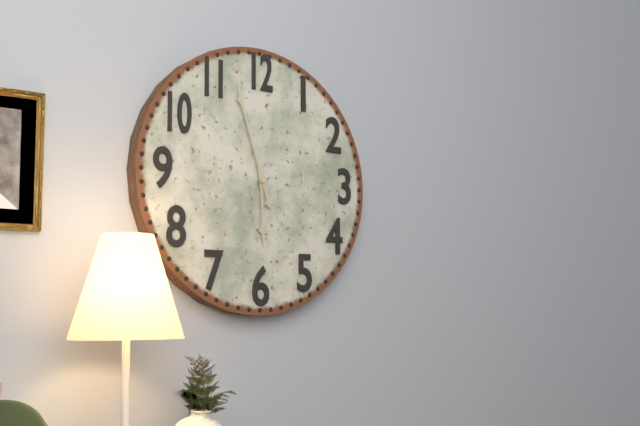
5:57
